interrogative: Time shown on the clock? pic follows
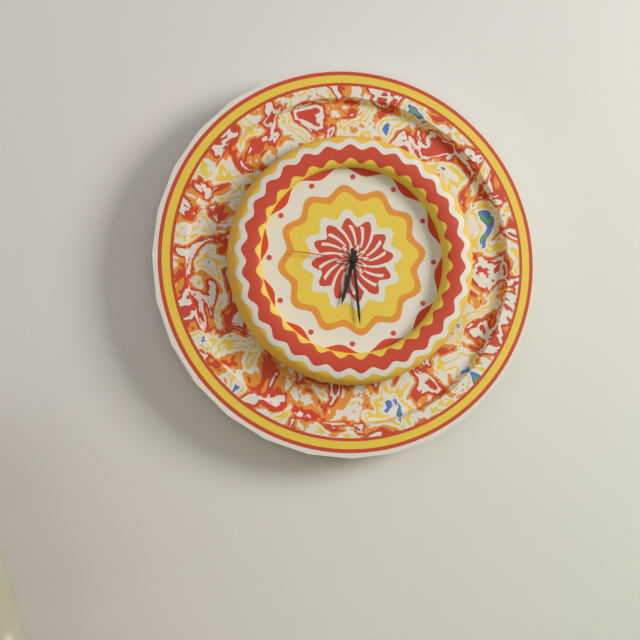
6:29:46
